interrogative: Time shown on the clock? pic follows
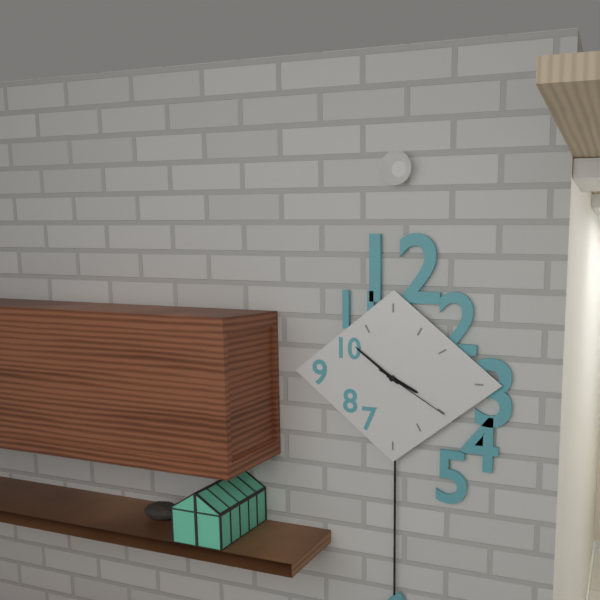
3:51:20
